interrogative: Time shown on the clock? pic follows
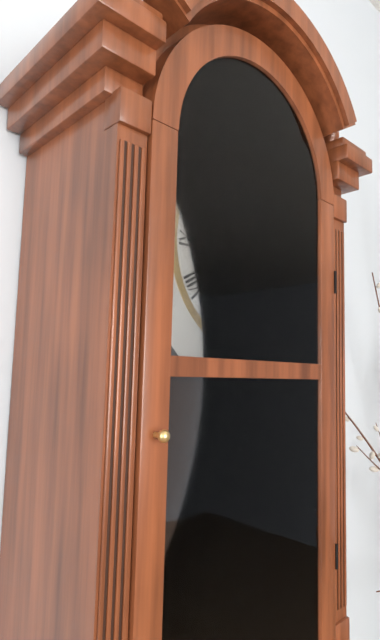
1:06
